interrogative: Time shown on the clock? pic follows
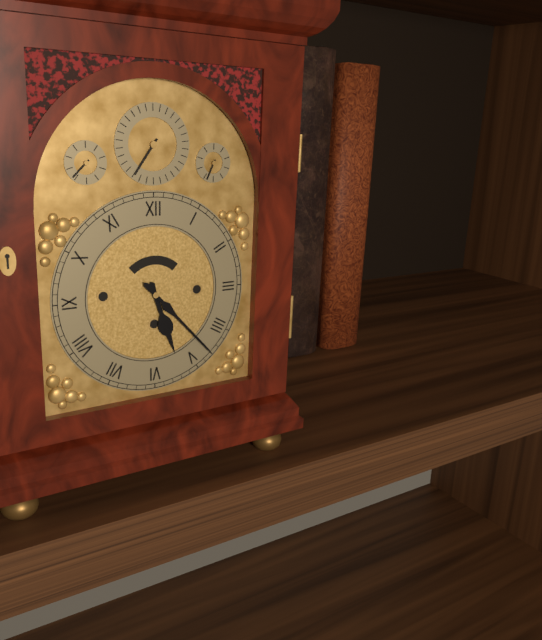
5:23
